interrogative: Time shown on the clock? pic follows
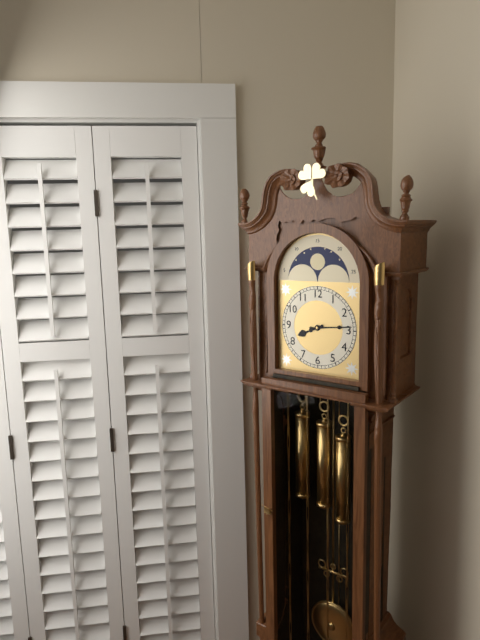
8:14
